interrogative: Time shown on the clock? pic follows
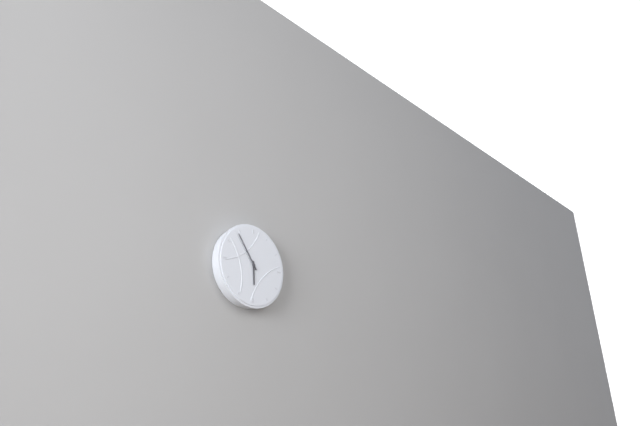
5:54
